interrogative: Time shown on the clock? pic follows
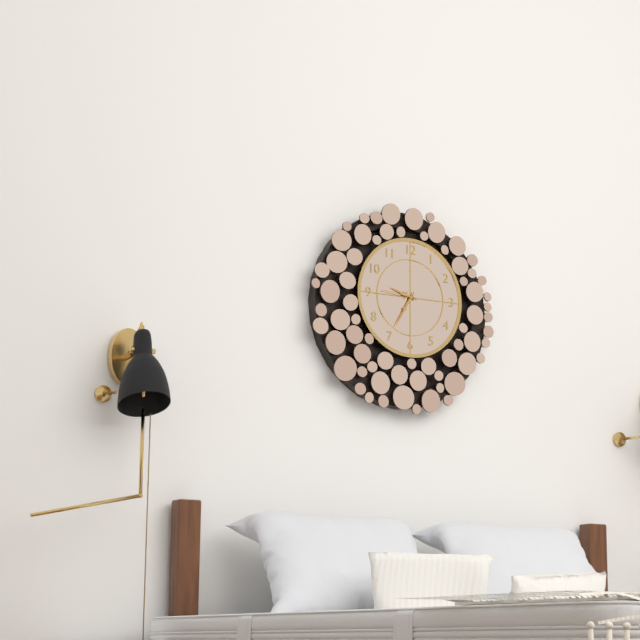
9:35
